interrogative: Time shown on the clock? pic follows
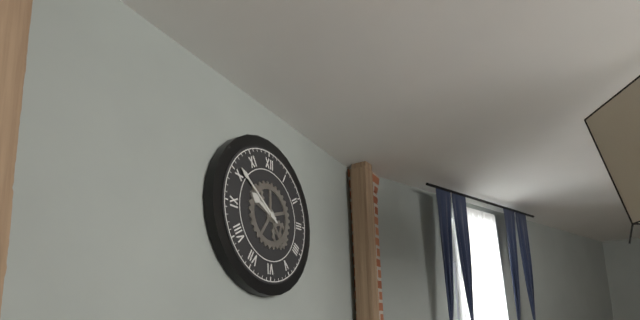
9:51
